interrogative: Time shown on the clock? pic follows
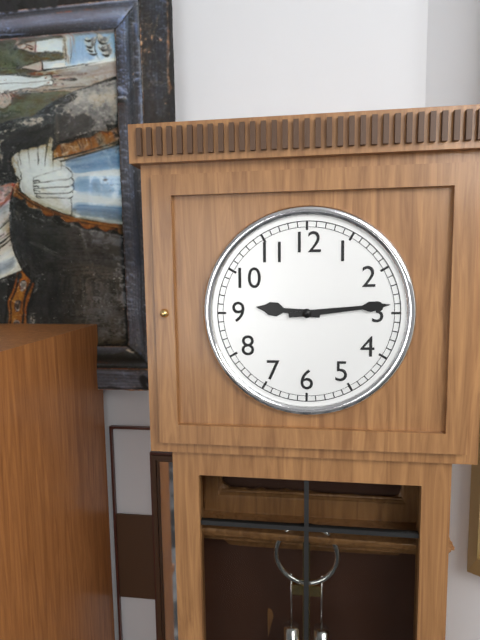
9:14
